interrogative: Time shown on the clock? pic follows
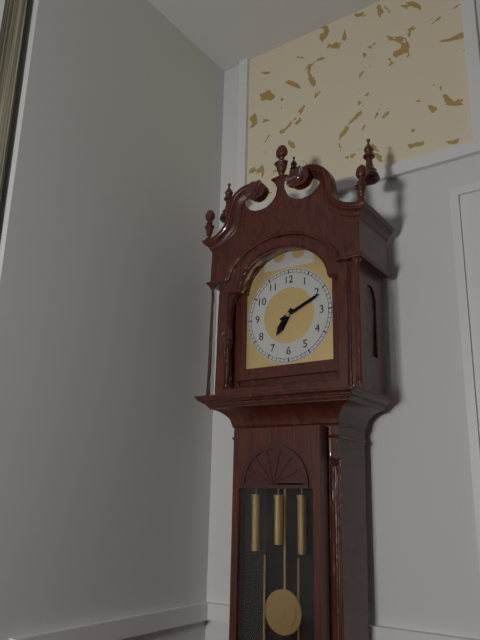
7:11
